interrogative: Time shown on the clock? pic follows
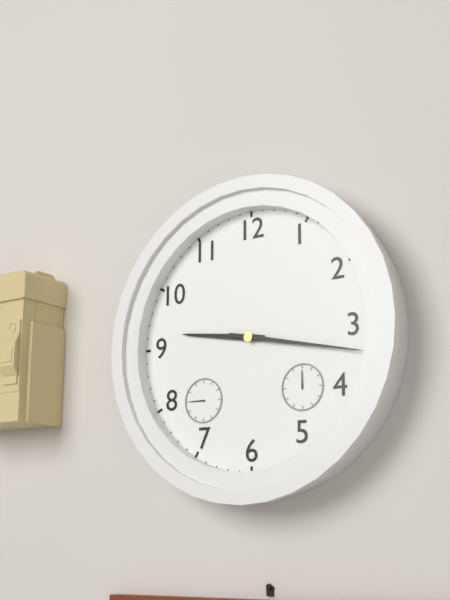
9:17
